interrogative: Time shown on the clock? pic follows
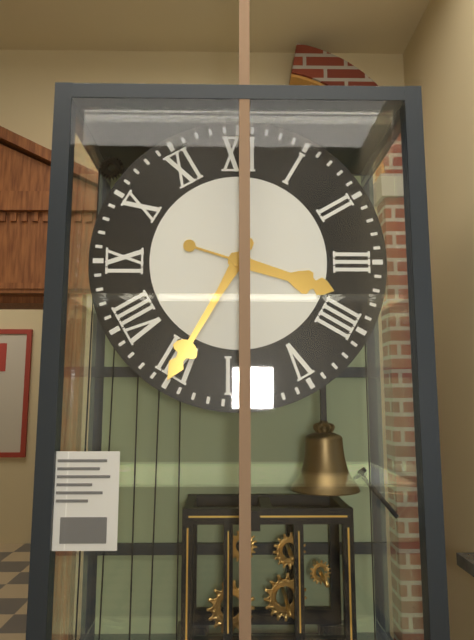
3:35
